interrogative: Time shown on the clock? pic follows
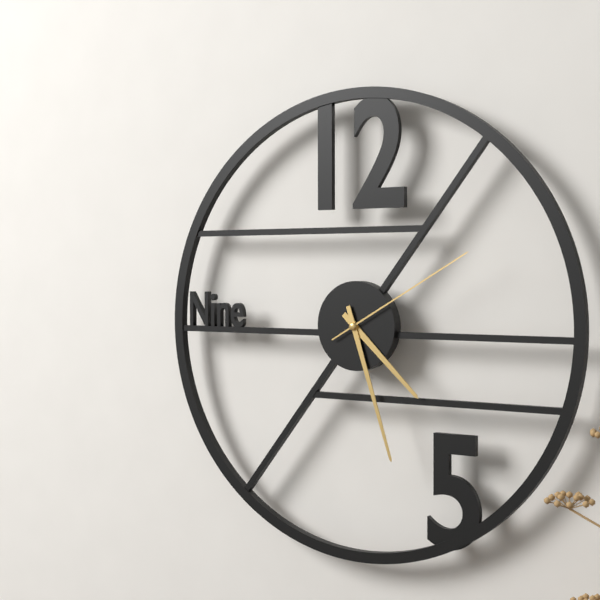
4:27:10
